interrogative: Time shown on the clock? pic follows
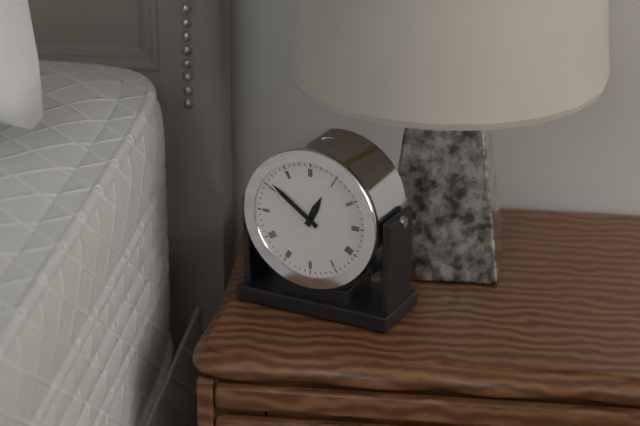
12:51
